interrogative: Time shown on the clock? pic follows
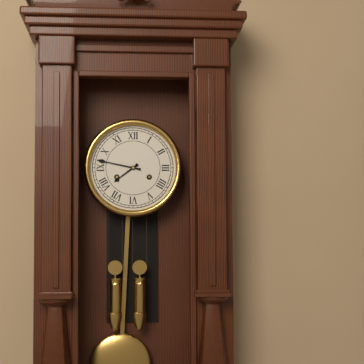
7:47
